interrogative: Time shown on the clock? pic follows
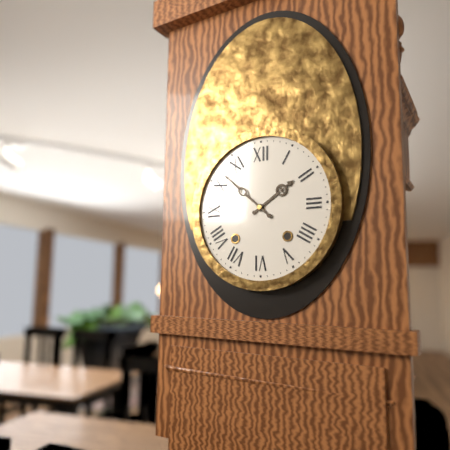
1:52
